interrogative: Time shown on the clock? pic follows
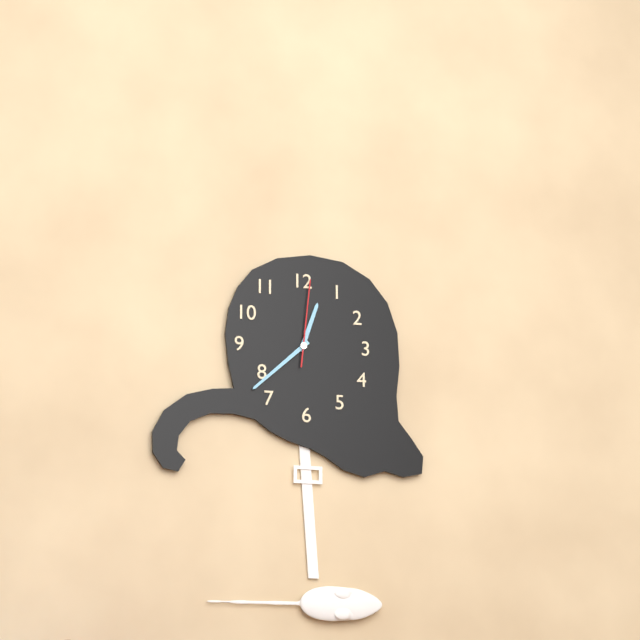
12:38:01
